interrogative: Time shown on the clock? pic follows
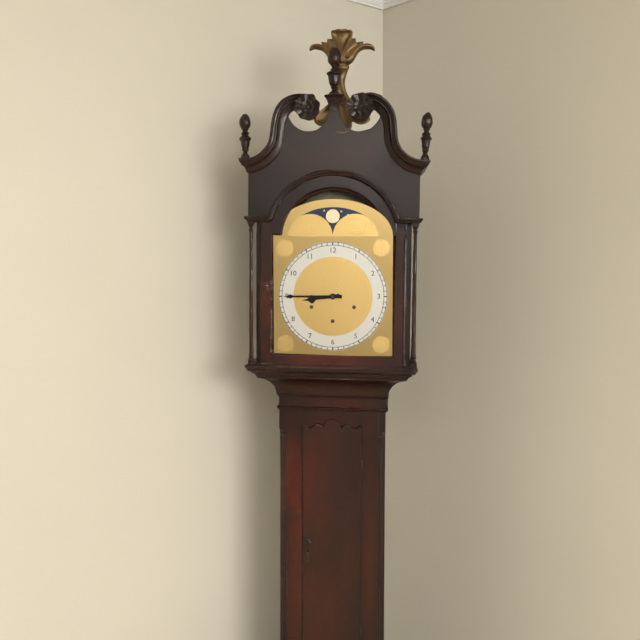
8:45
